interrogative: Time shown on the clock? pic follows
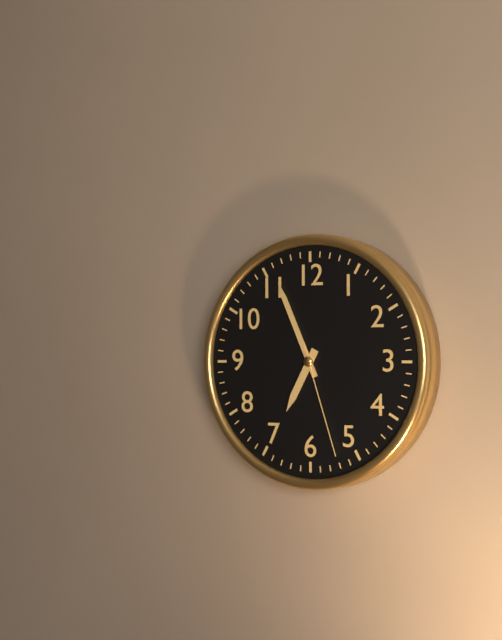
6:56:27
